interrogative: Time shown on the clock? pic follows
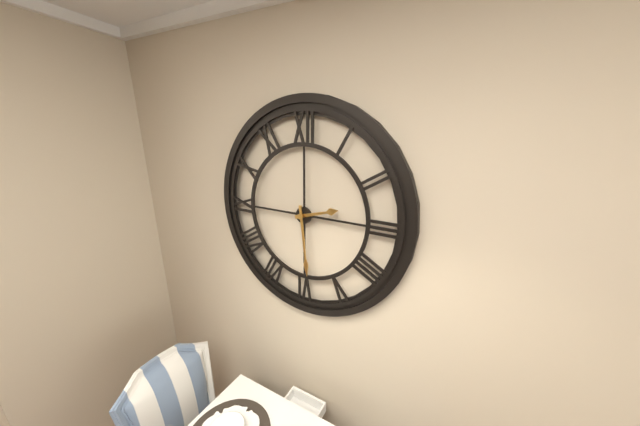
2:29
